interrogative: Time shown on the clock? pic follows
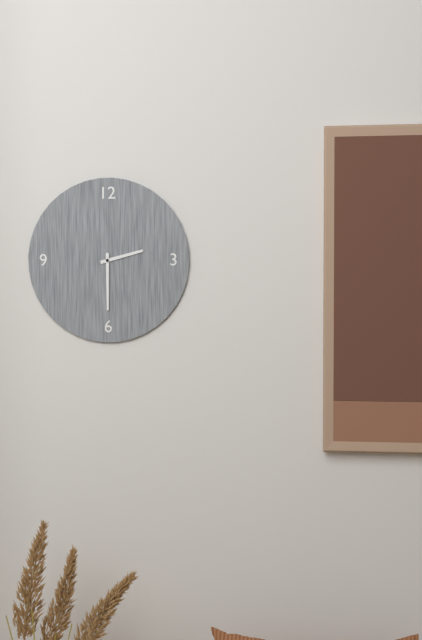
2:30
